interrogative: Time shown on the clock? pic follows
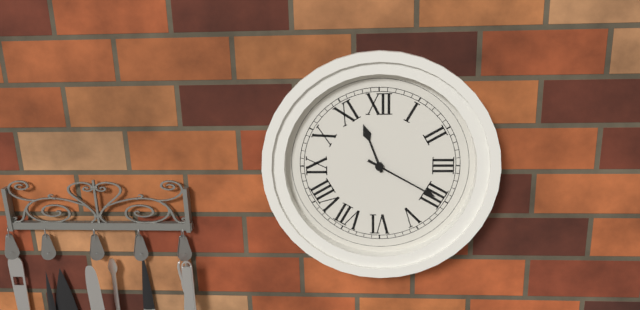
11:20
